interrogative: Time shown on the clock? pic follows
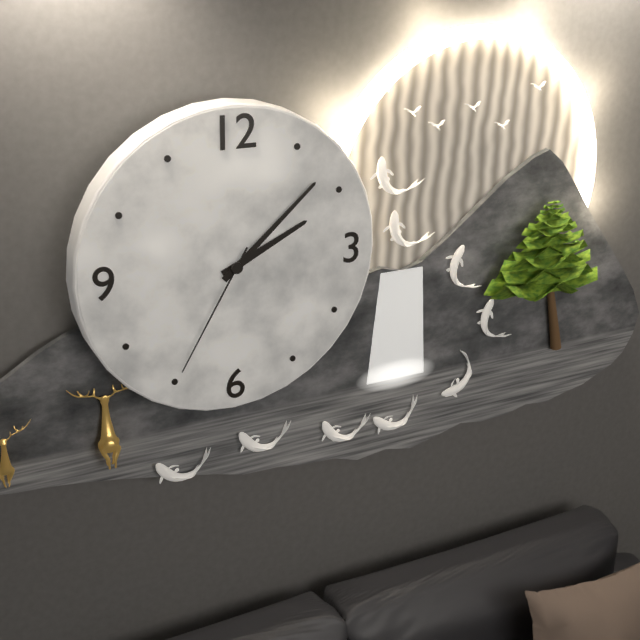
2:08:35
